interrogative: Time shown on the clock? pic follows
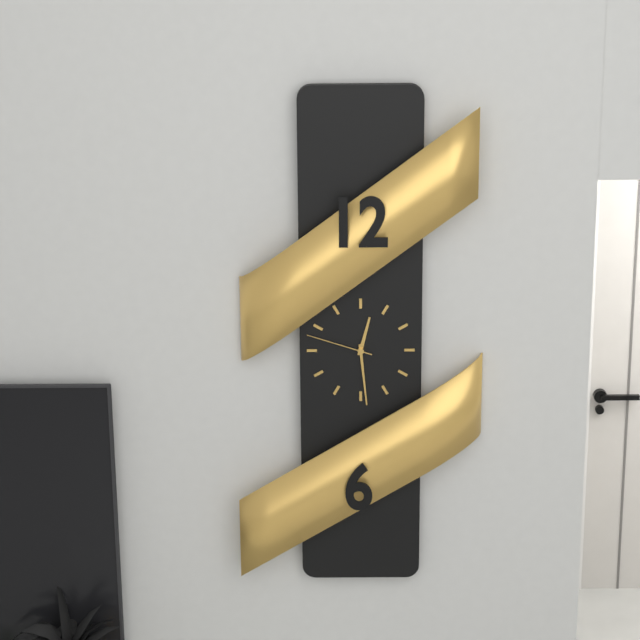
12:29:48
